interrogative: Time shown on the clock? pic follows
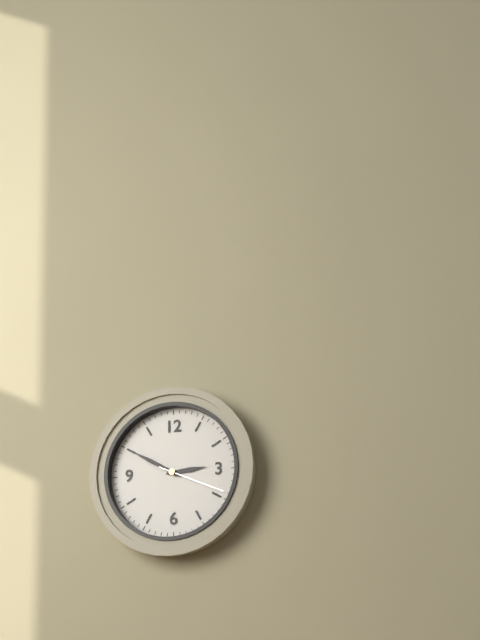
2:50:19
